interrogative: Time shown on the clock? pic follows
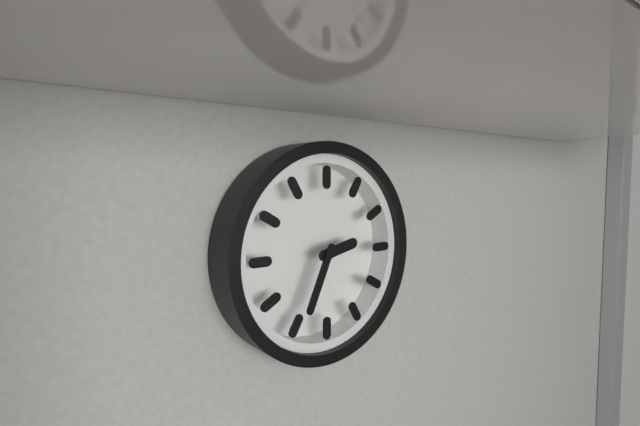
2:34
